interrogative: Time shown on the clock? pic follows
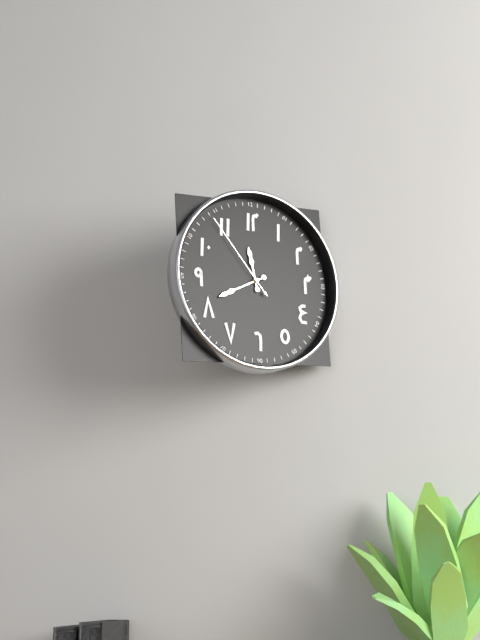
11:41:54
